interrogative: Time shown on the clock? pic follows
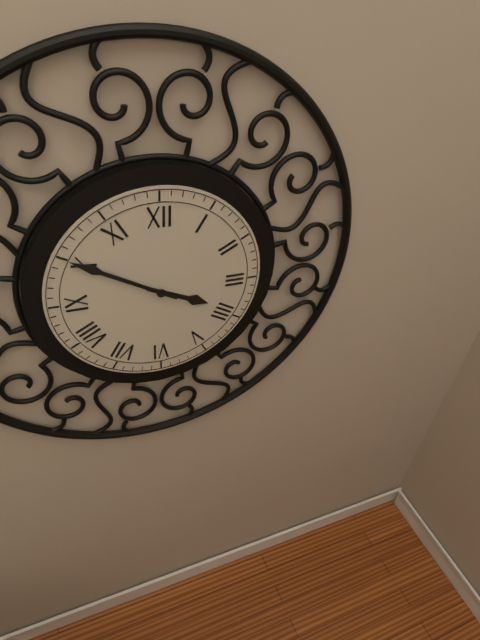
3:50
